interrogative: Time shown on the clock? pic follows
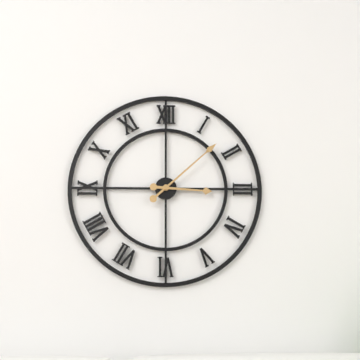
3:08
